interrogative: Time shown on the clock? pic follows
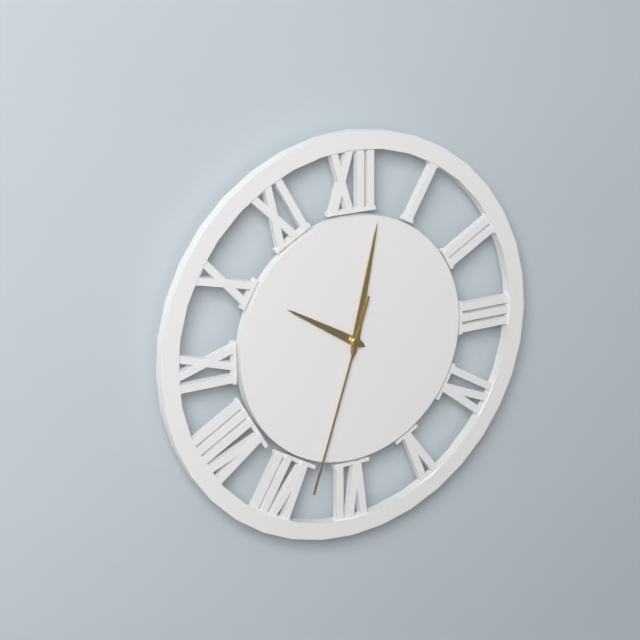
10:02:33
